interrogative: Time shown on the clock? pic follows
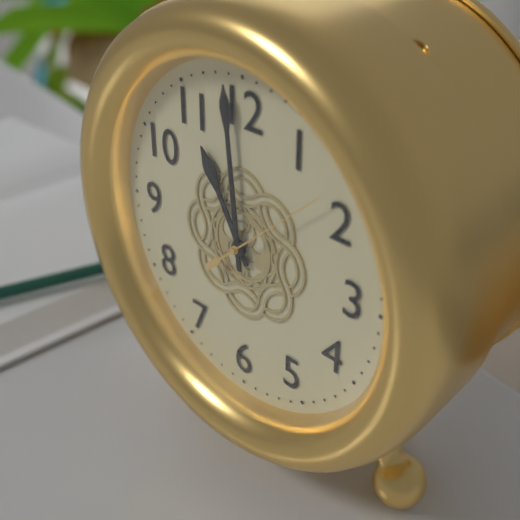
10:59:08
